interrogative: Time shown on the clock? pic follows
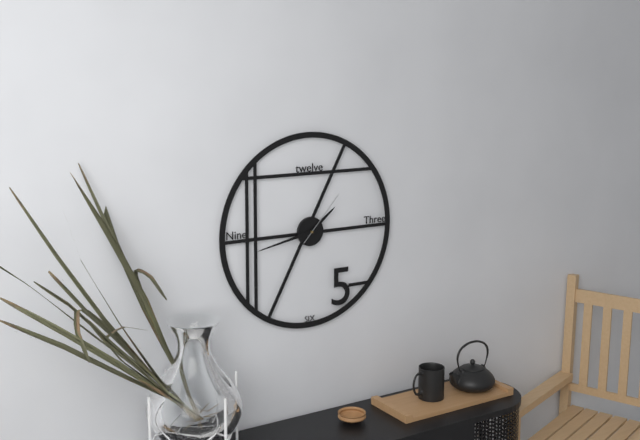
1:43:07
